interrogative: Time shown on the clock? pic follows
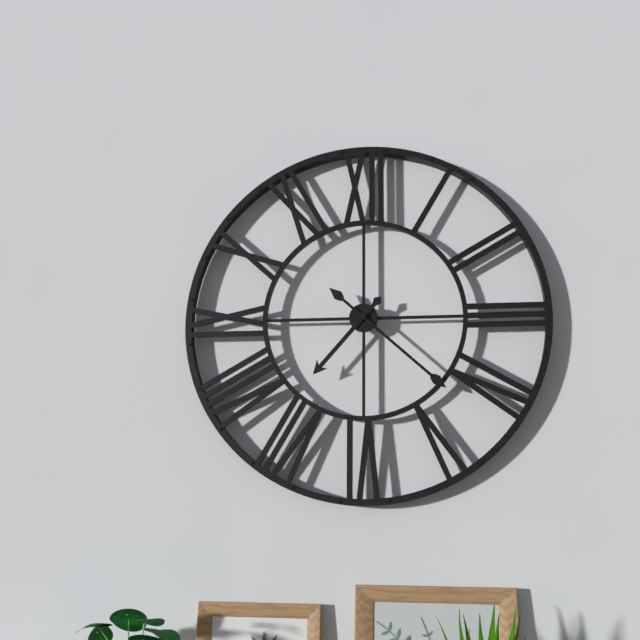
7:22
